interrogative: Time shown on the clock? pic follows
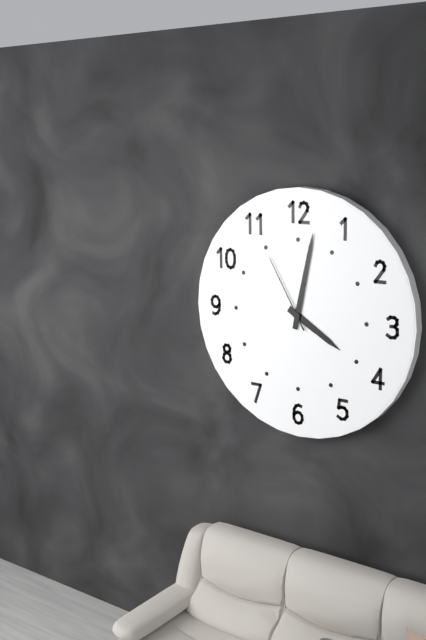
4:02:55
